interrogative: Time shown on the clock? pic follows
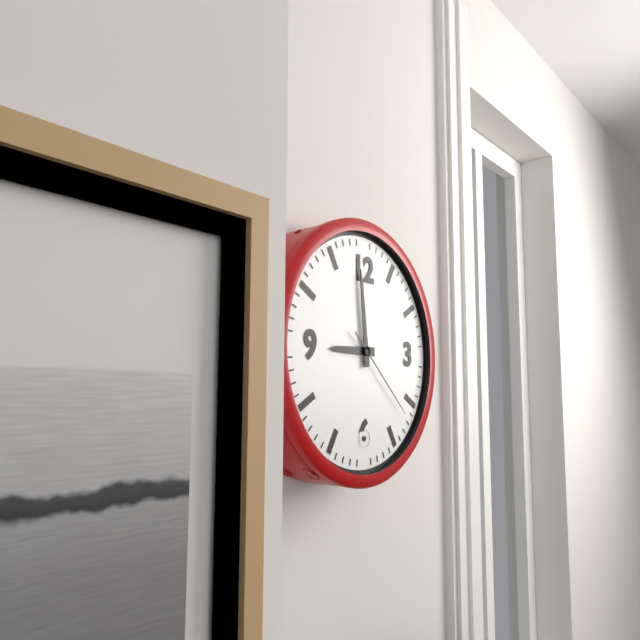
8:59:22
